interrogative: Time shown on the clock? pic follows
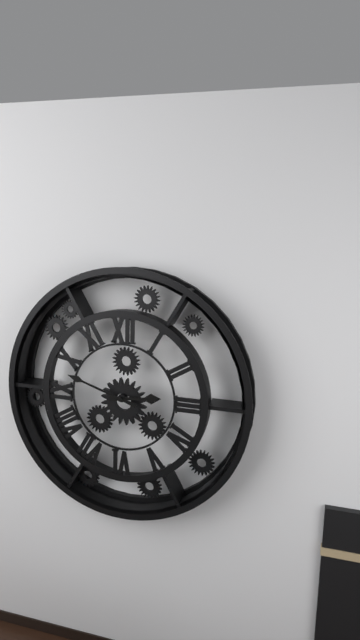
2:48
